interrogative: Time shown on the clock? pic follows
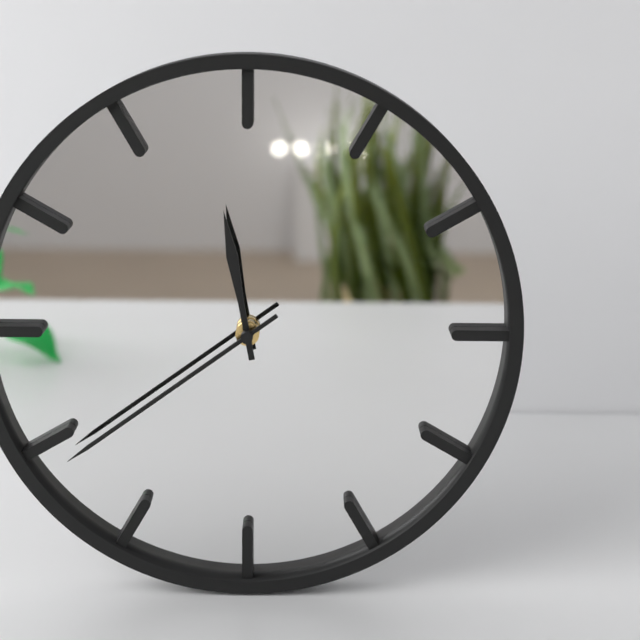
11:39
